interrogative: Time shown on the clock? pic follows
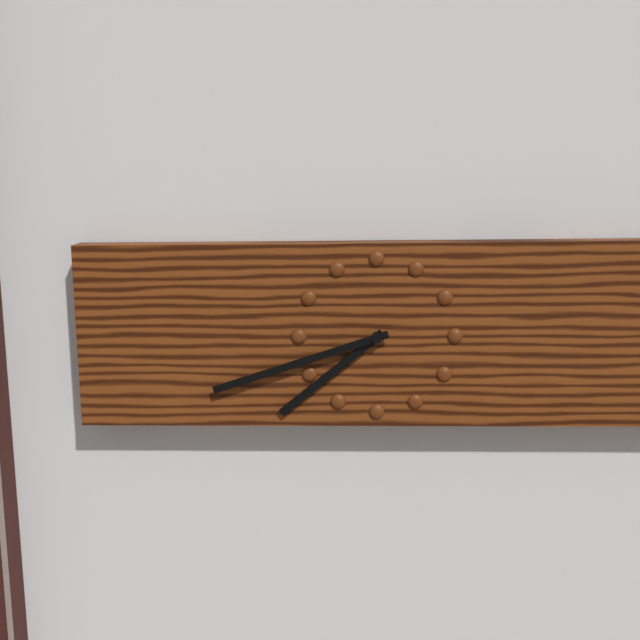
7:42
